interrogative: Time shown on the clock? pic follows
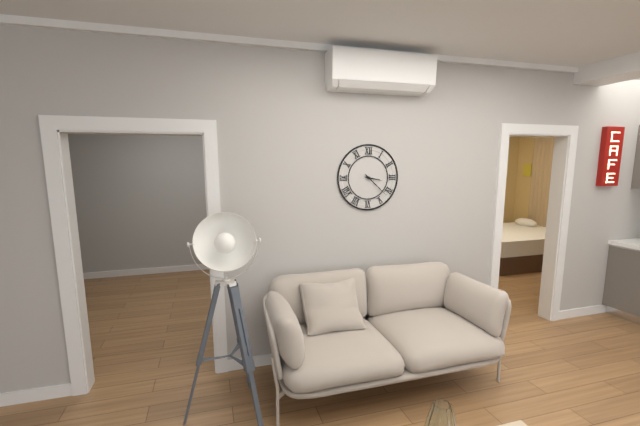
3:22
